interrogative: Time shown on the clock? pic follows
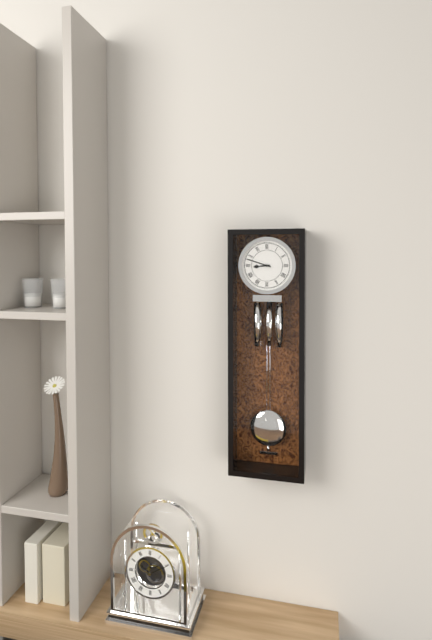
8:48
